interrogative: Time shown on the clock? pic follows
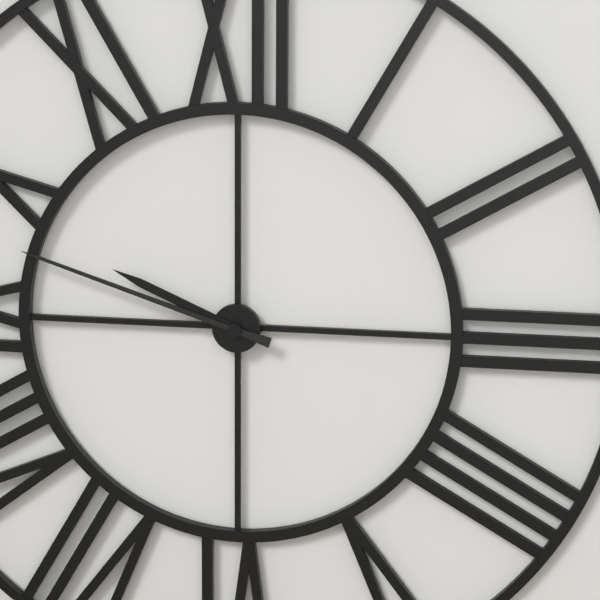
9:48
